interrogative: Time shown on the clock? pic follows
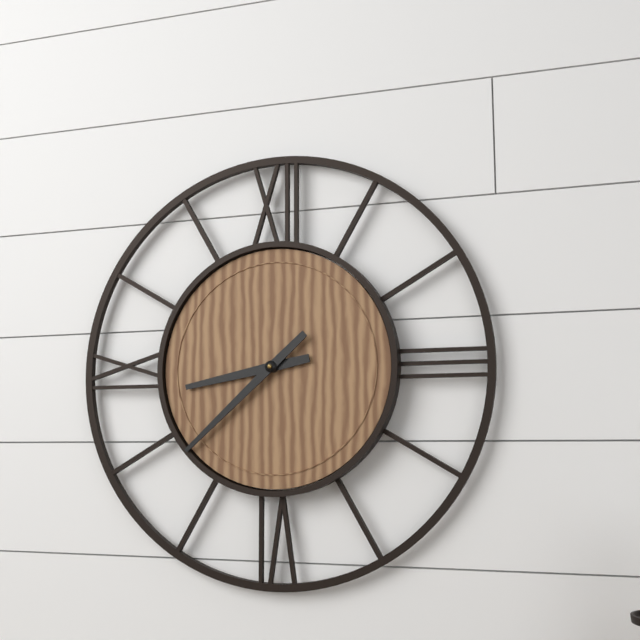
8:38
